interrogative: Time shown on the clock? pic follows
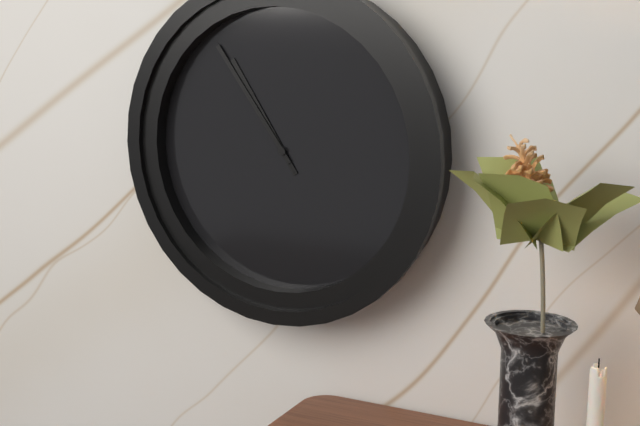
10:54
